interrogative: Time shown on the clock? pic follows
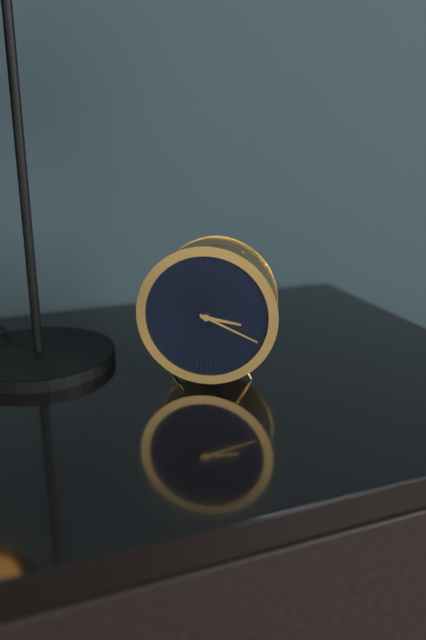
3:19
